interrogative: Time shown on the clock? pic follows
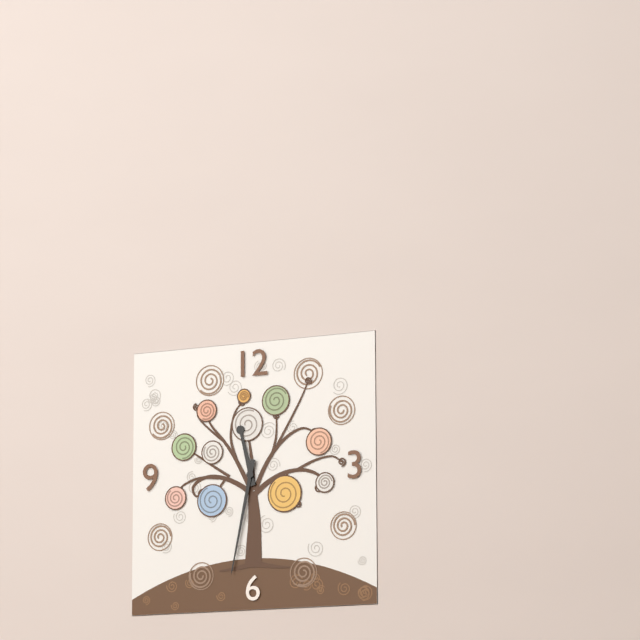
11:32
